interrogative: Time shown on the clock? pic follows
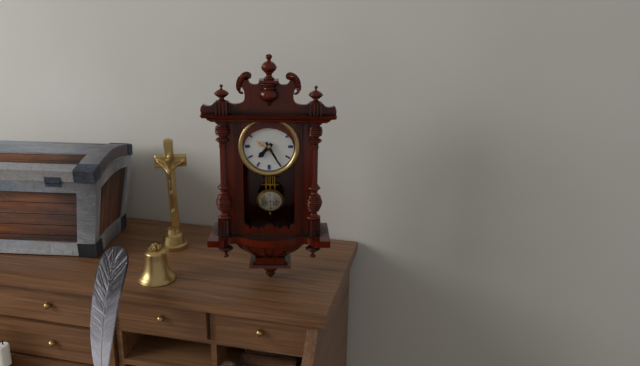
7:25
